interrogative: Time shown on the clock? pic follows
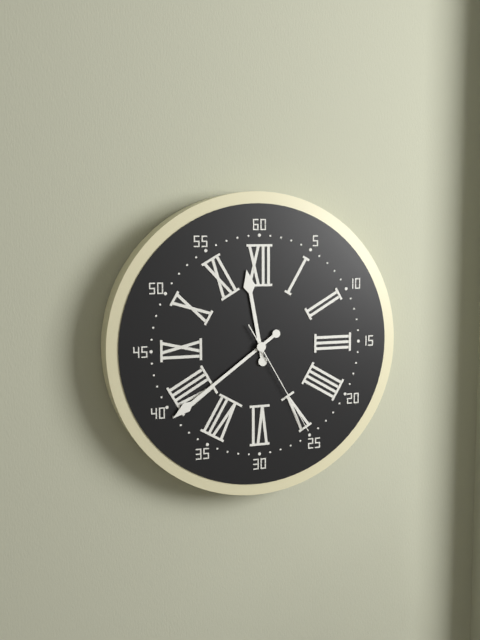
11:39:25
